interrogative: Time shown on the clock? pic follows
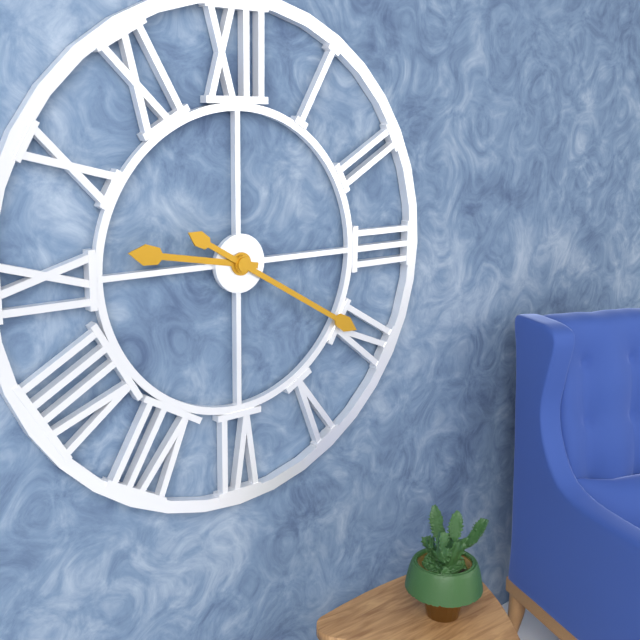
9:20
